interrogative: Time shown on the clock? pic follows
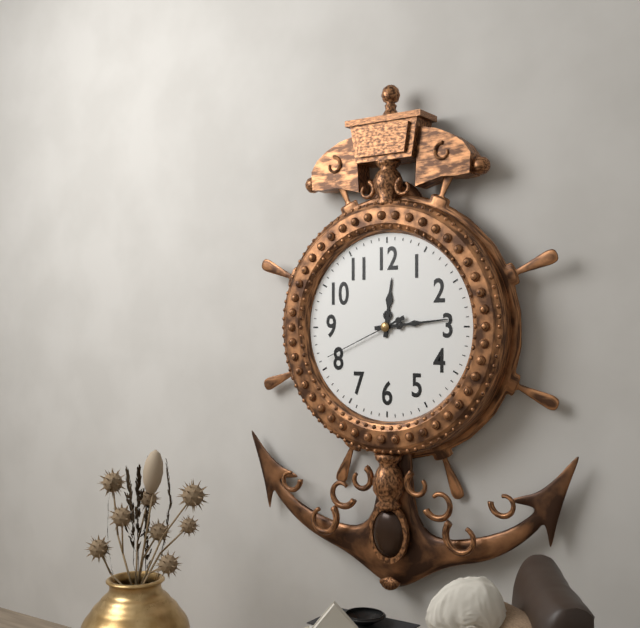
12:14:41
